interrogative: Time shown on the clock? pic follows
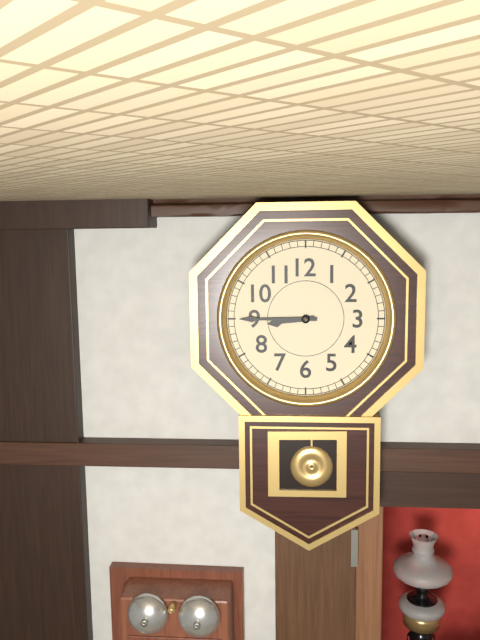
8:45
